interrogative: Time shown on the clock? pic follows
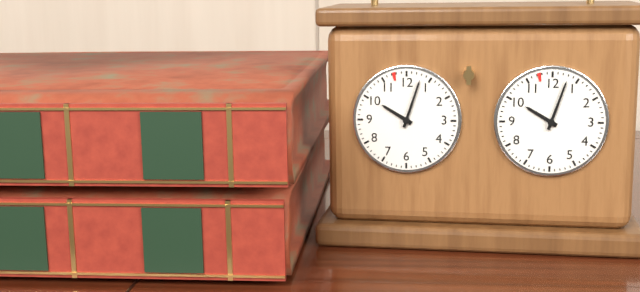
10:03
